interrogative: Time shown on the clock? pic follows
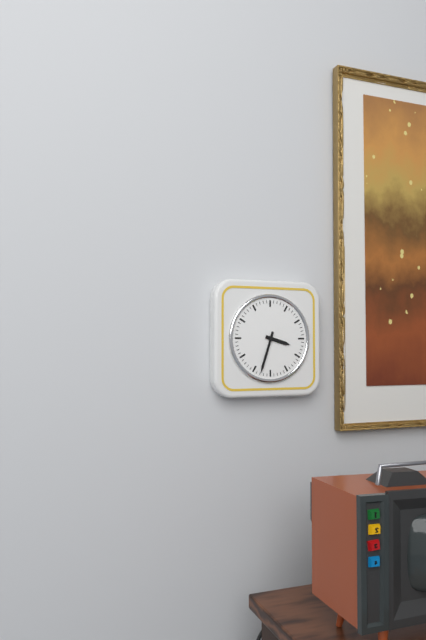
3:33
